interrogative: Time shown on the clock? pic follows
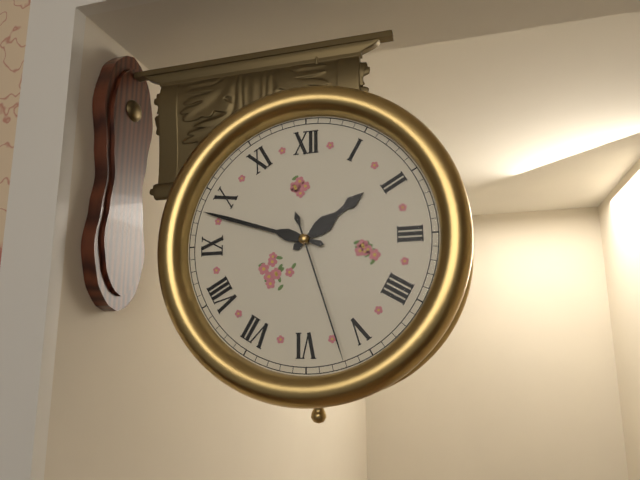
1:48:27
